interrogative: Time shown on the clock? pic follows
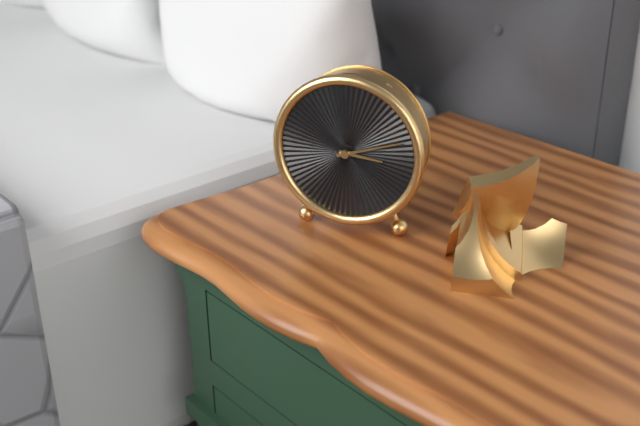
3:12
